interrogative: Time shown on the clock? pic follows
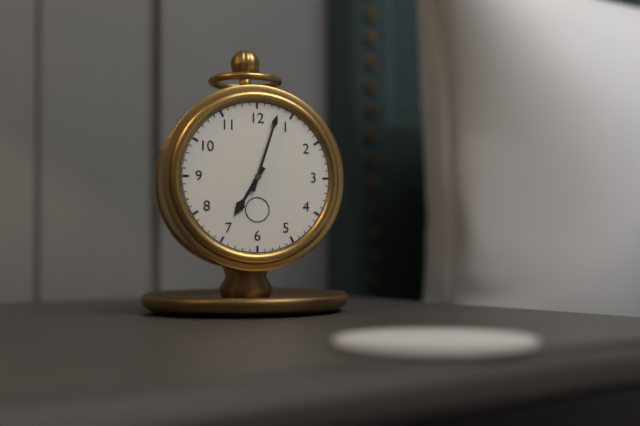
7:03
